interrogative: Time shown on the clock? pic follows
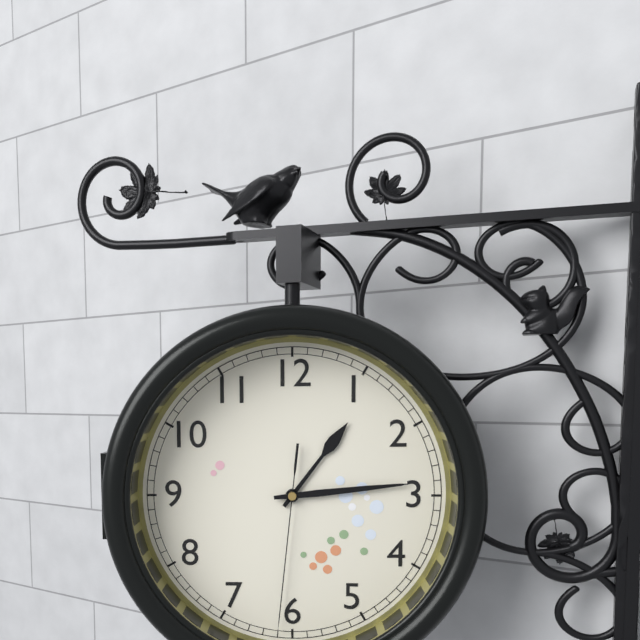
1:14:31
